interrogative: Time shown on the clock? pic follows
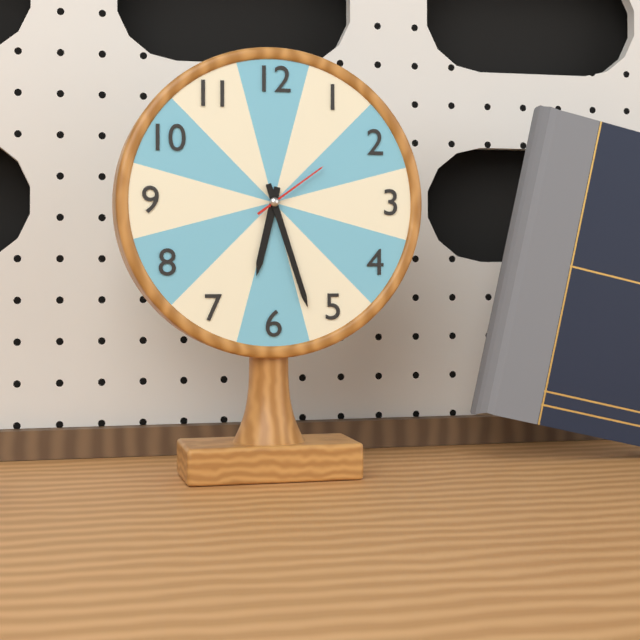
6:27:09
